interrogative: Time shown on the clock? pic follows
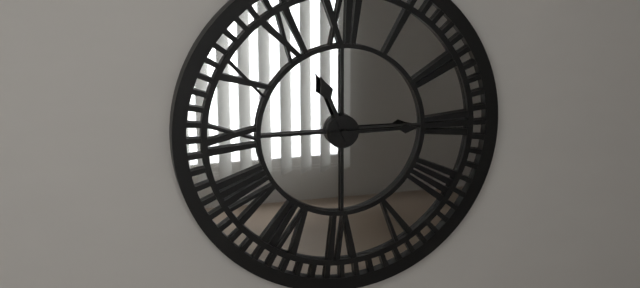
11:15
